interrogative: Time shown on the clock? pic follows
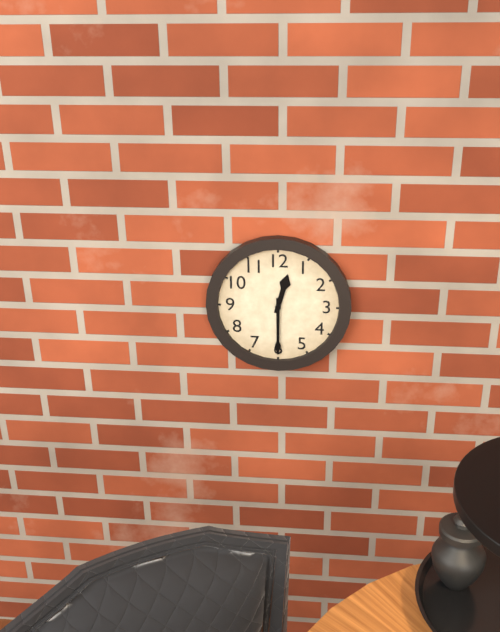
12:30
